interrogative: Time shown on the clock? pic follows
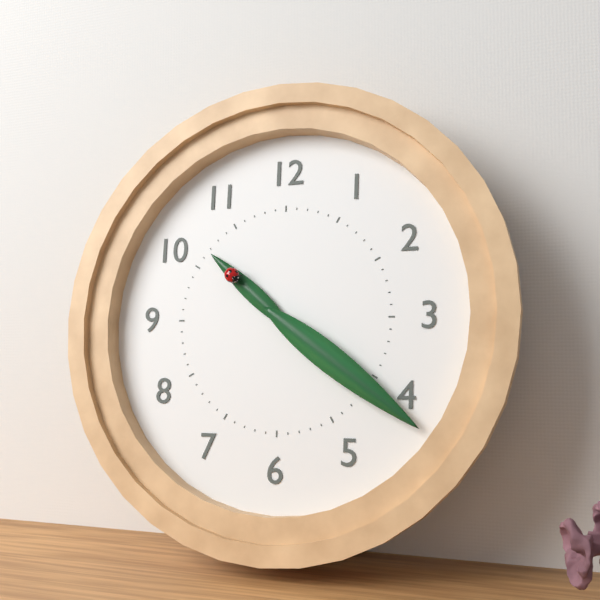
10:21
